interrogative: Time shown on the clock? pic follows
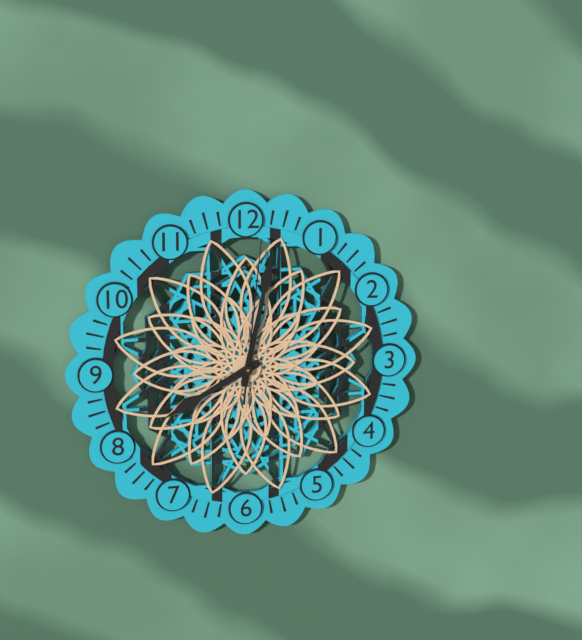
8:02:01
